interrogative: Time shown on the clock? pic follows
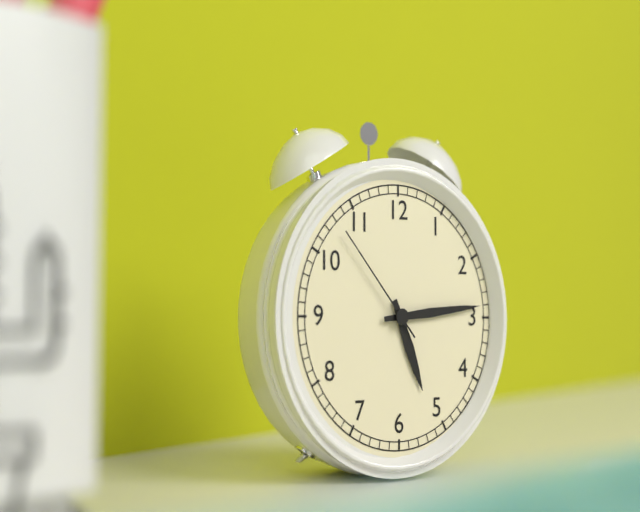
5:14:53
